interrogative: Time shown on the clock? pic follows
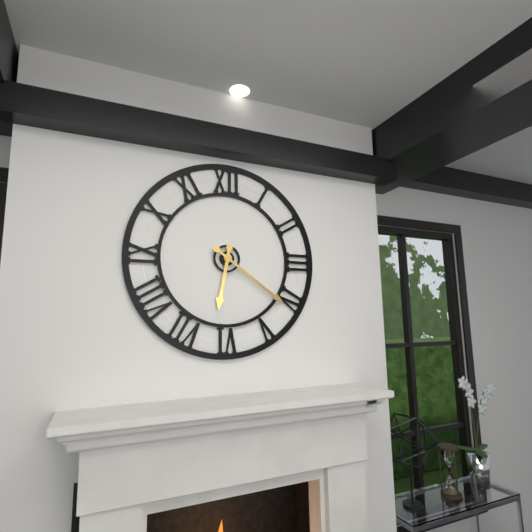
6:21
